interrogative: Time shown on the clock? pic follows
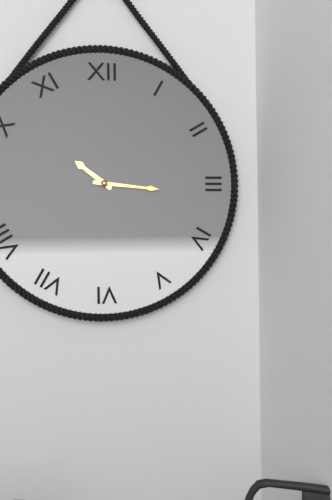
10:16
